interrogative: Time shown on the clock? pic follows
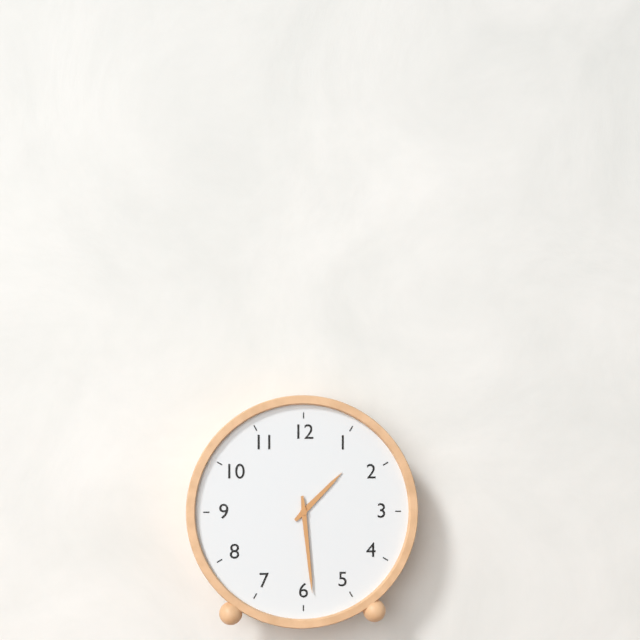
1:29
